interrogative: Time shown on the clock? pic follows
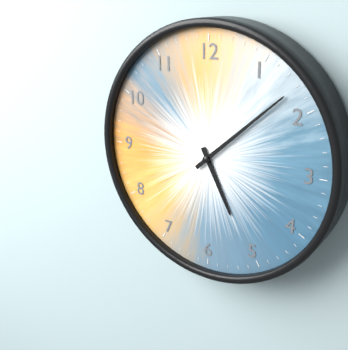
5:08
